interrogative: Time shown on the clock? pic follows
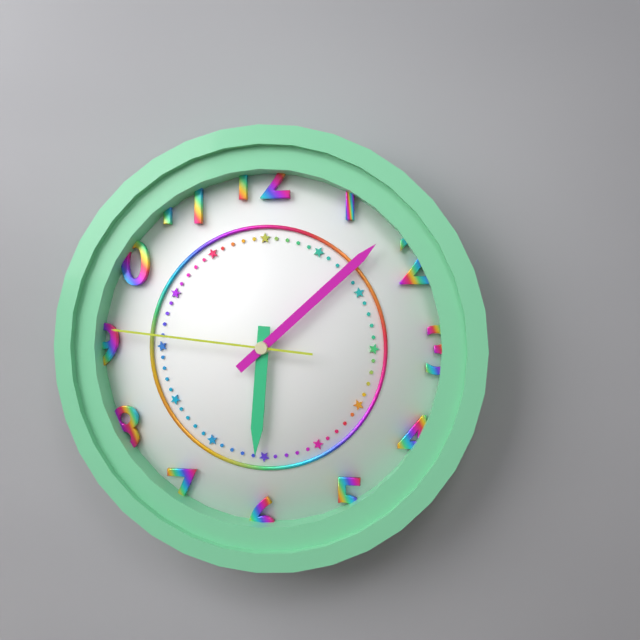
6:08:46
